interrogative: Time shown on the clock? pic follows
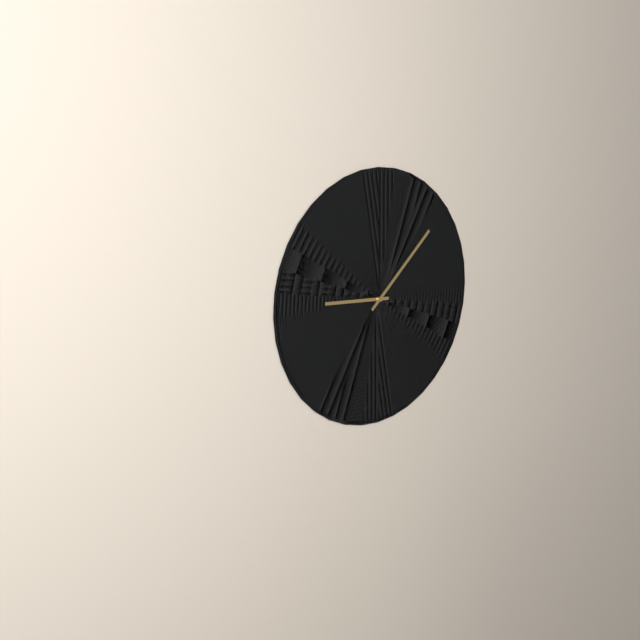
9:08
